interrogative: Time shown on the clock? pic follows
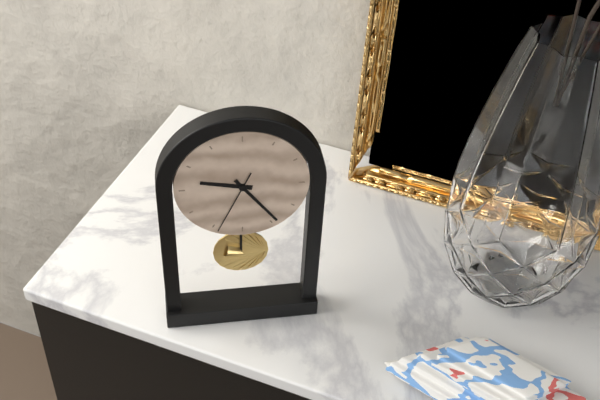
9:24:34
